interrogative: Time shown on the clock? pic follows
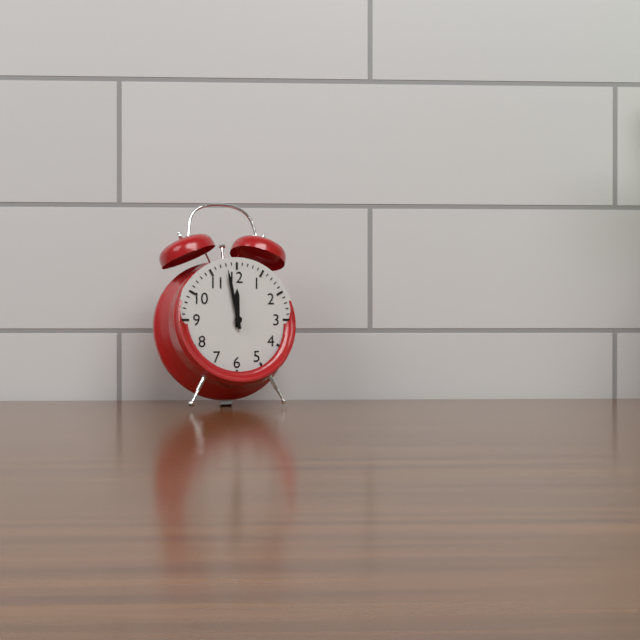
11:58
